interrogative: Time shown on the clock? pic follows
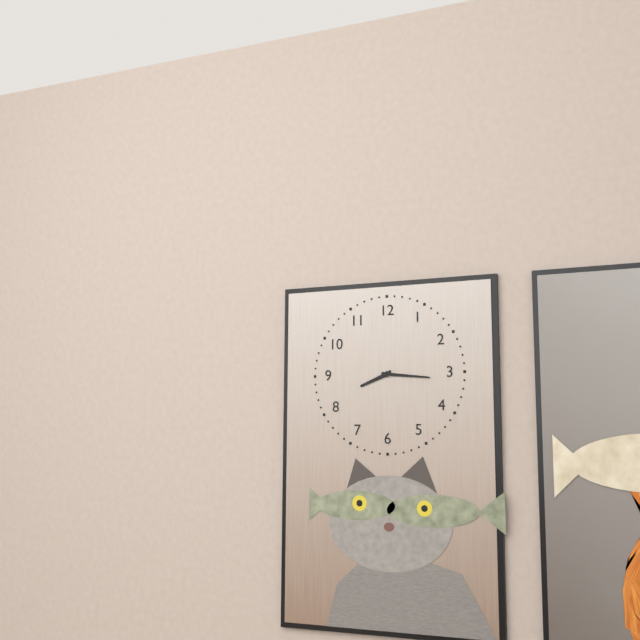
8:16
